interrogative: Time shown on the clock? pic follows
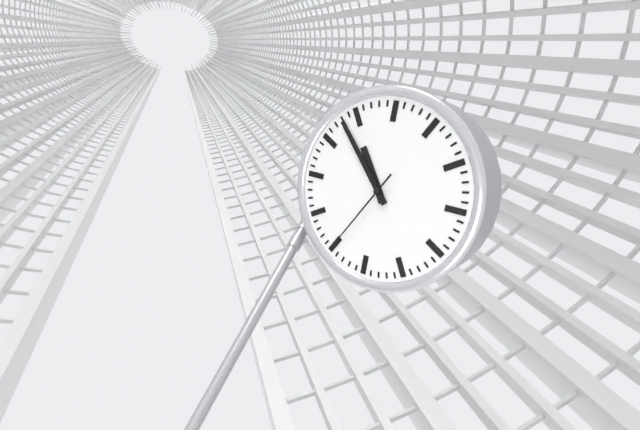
10:53:35
